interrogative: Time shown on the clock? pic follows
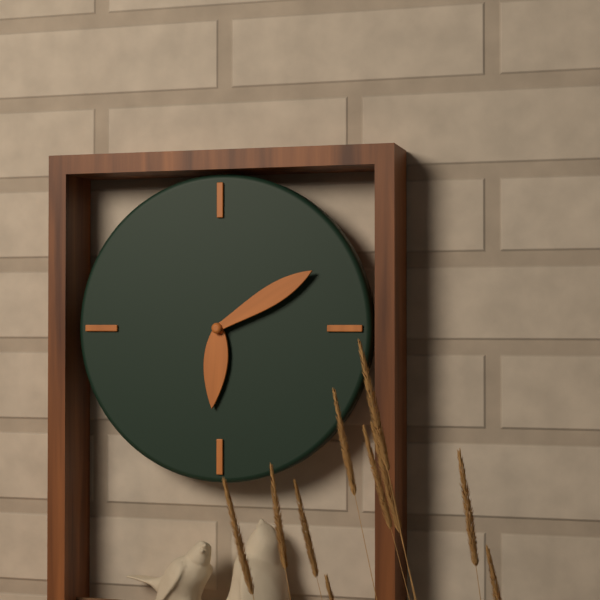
6:10
